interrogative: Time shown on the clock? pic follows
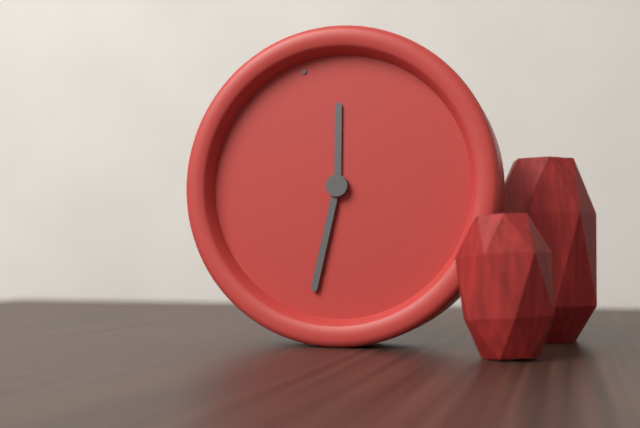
12:35
